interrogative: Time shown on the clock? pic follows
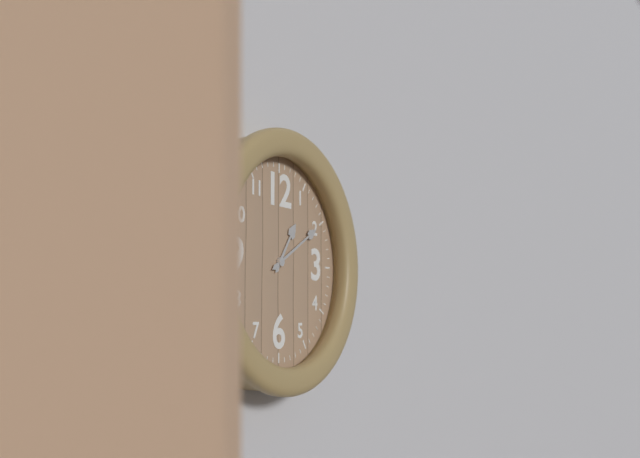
1:10
